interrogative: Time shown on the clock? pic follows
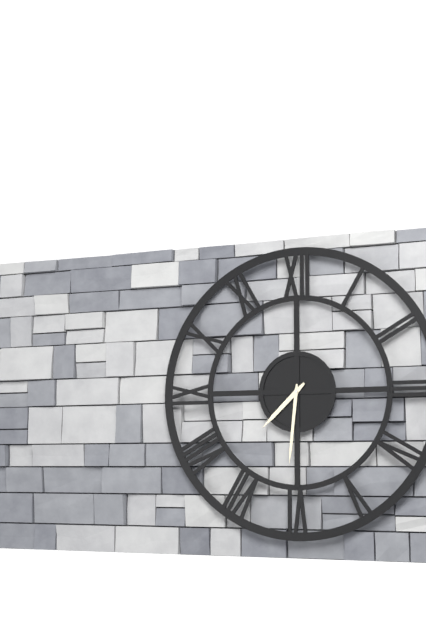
7:31
